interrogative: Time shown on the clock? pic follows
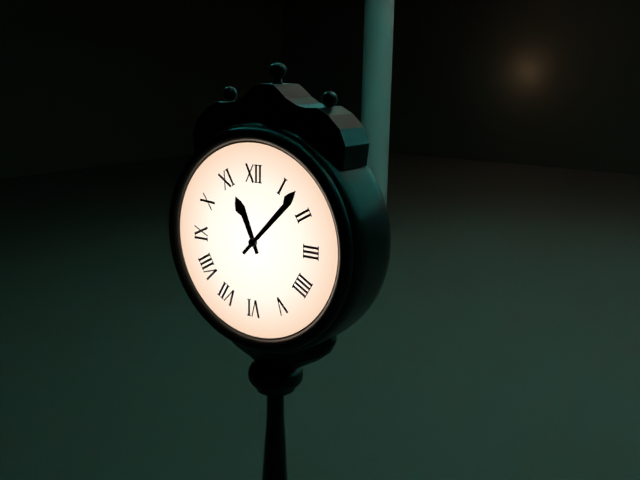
11:07
